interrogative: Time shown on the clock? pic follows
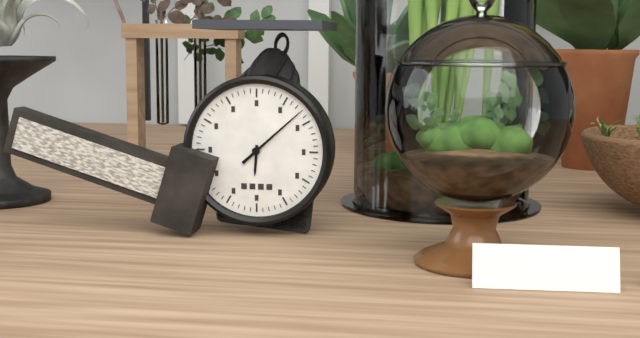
6:08
